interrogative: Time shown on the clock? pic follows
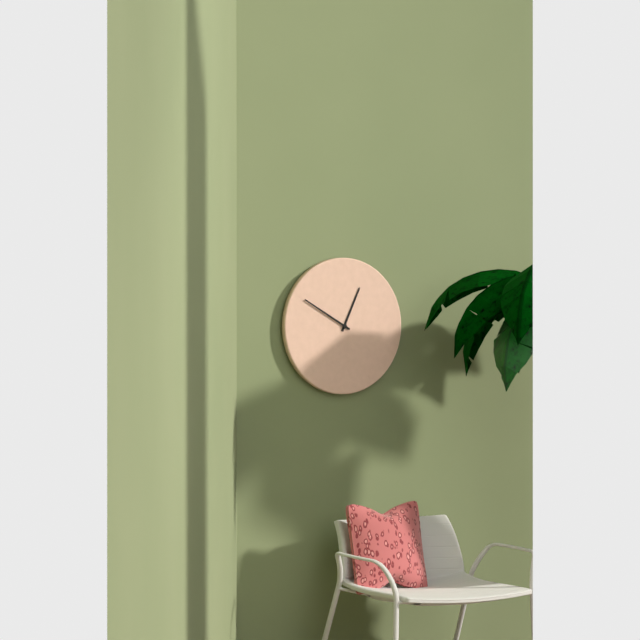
12:50
